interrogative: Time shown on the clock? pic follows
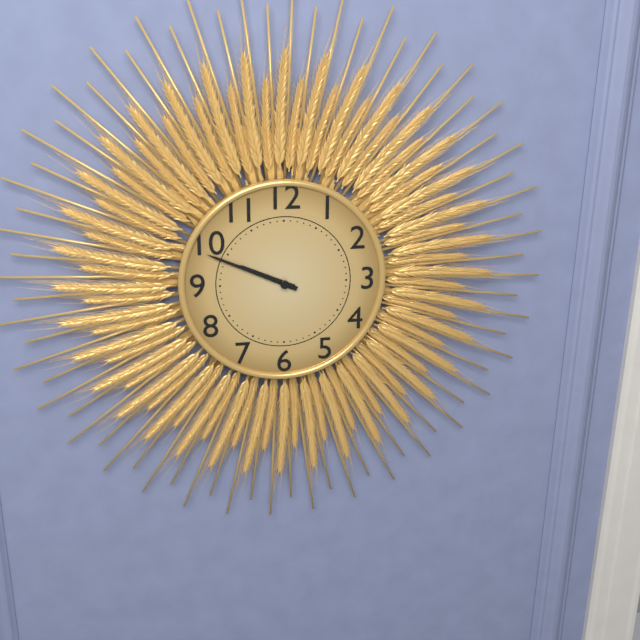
9:49
